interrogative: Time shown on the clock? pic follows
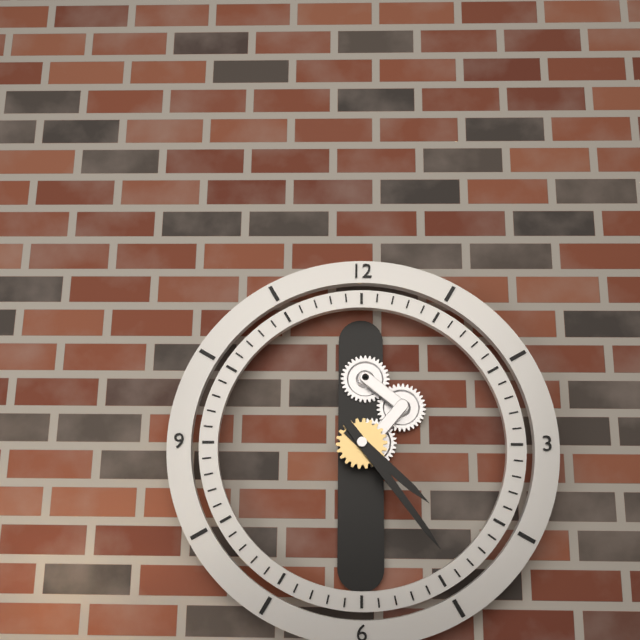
4:24
